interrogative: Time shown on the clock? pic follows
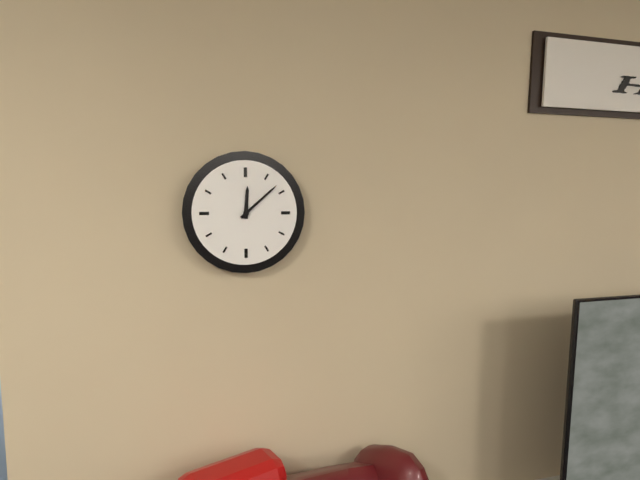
12:08
